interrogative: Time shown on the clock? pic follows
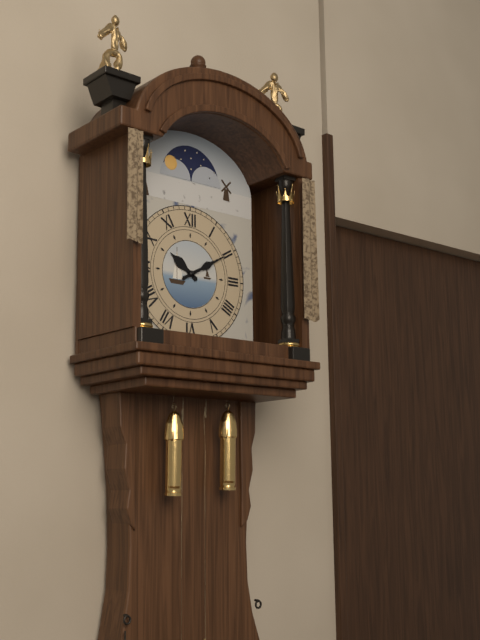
10:10
